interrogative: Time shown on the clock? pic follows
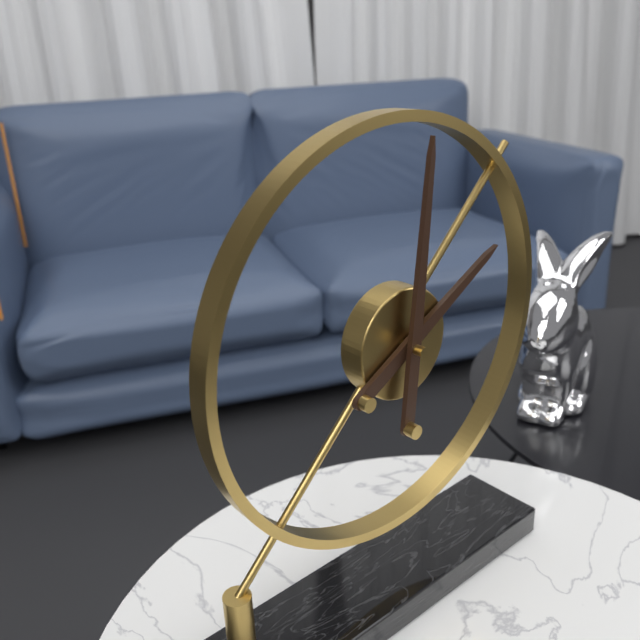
2:01
